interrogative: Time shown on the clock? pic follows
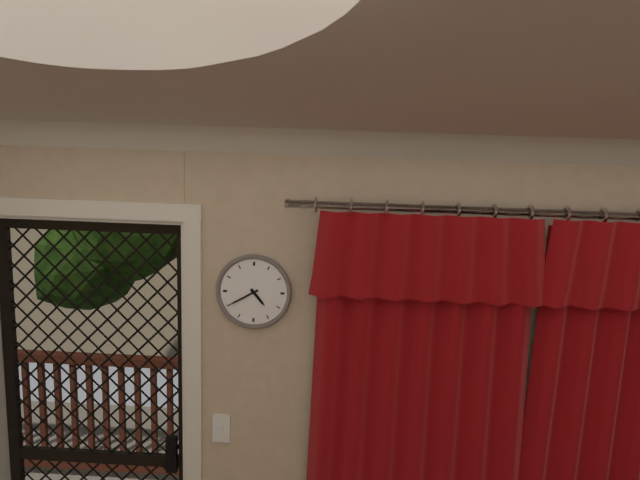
4:40
